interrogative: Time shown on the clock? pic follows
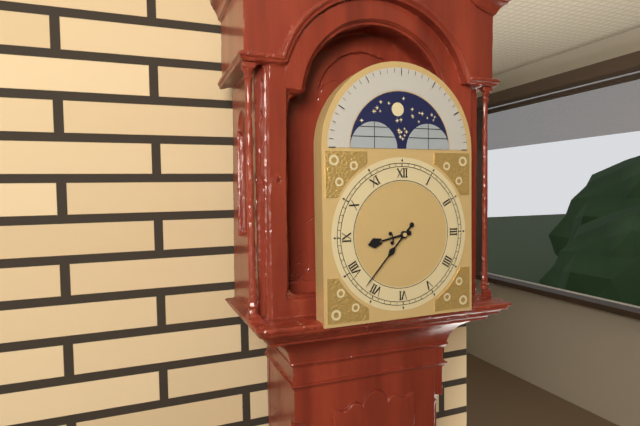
8:37
